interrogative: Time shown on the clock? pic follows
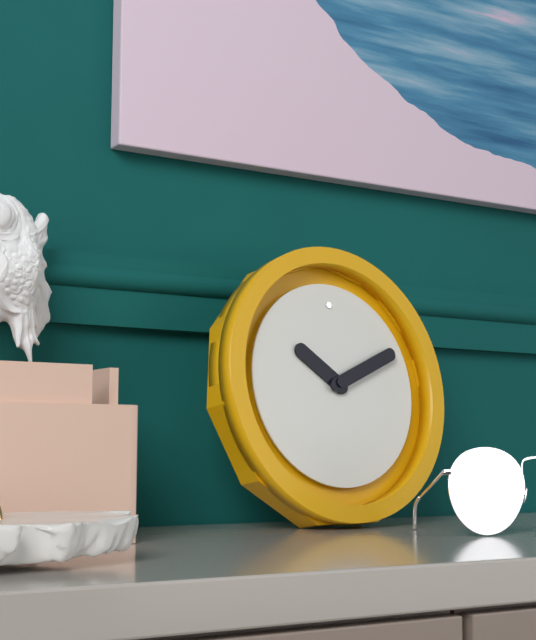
10:11
